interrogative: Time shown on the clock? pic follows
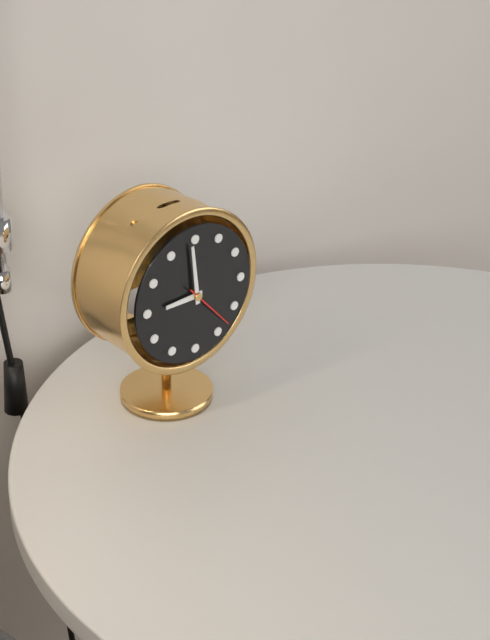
8:59:23
